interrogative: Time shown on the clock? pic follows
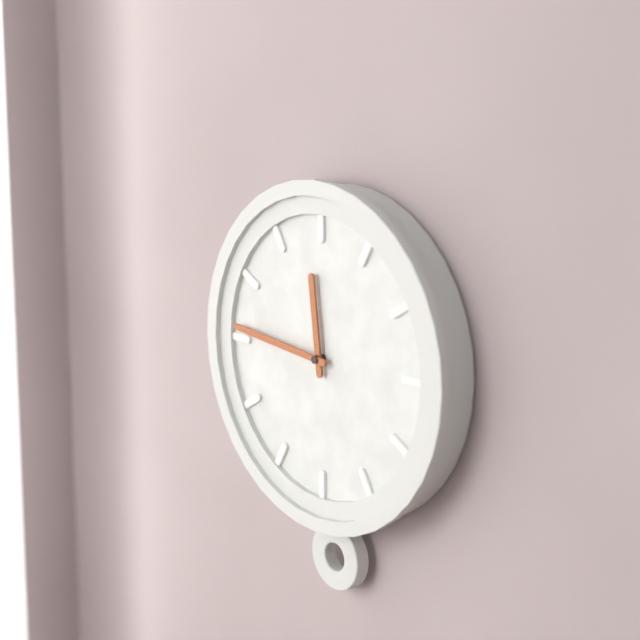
11:46
